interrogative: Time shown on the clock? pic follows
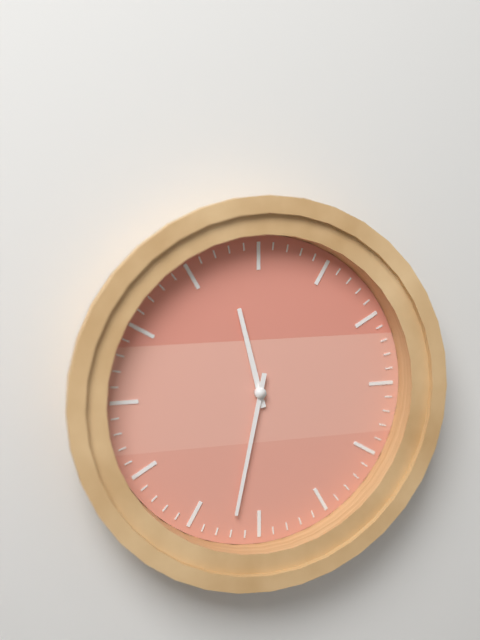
11:32
